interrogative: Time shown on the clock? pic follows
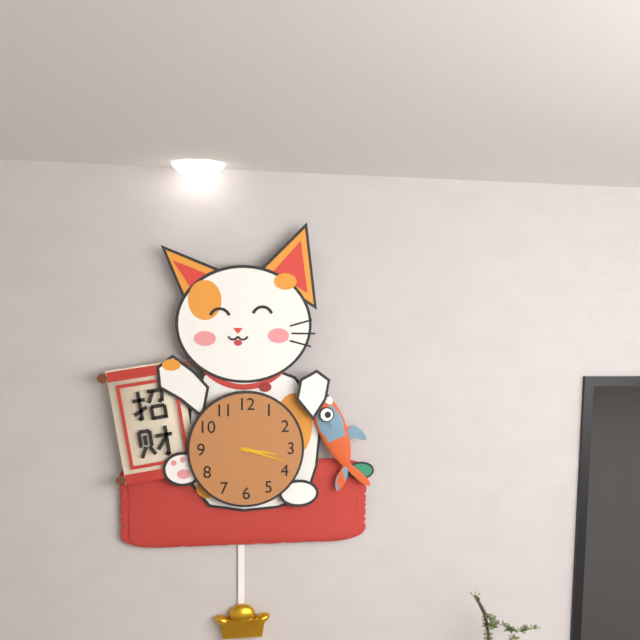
3:18
